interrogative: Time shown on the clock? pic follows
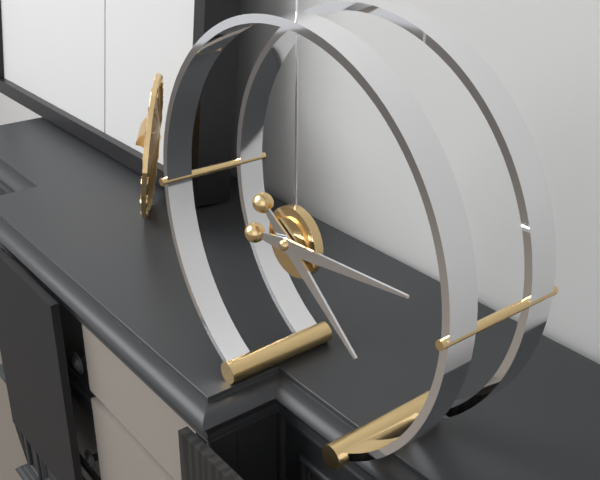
4:14
